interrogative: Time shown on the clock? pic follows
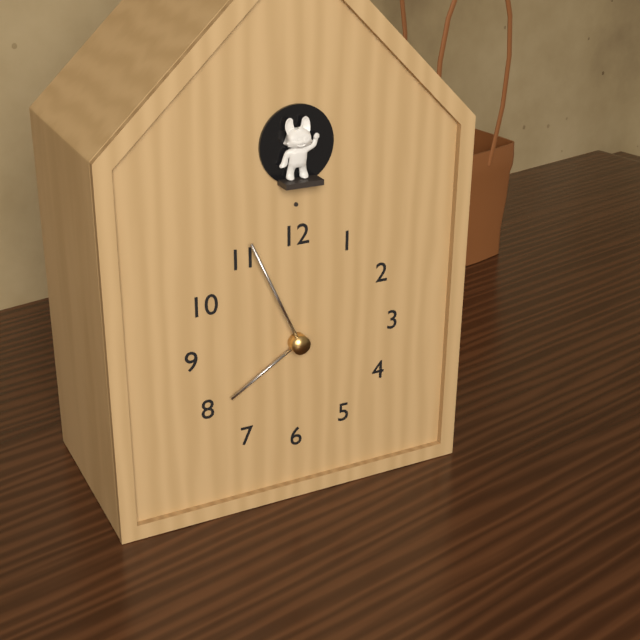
7:56
